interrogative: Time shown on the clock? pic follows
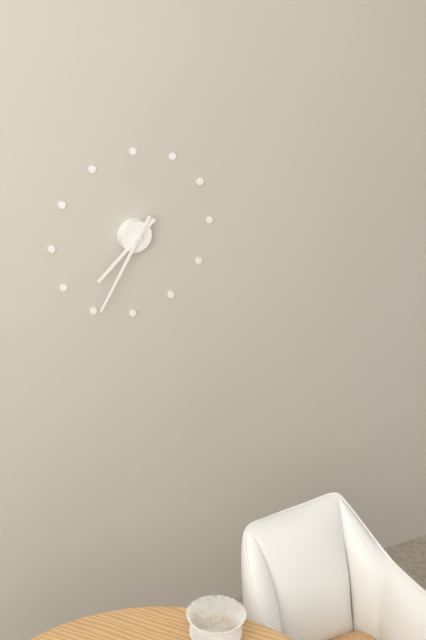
7:35
